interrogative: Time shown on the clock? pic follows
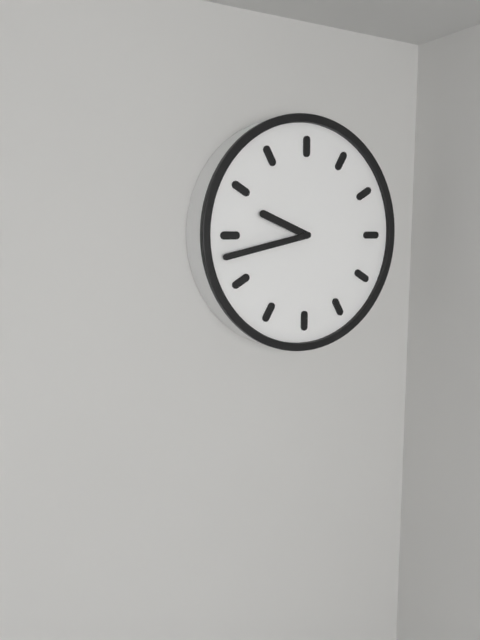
9:43
